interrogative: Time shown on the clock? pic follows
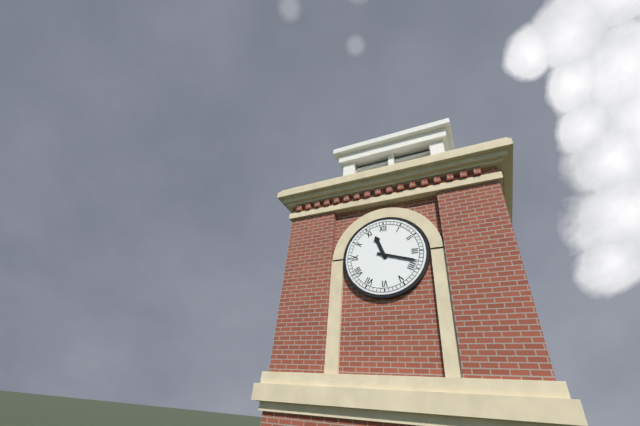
11:18
